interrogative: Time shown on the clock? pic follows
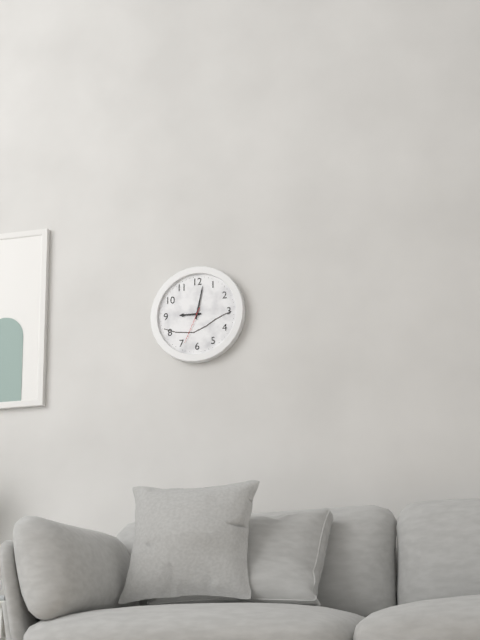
9:02
